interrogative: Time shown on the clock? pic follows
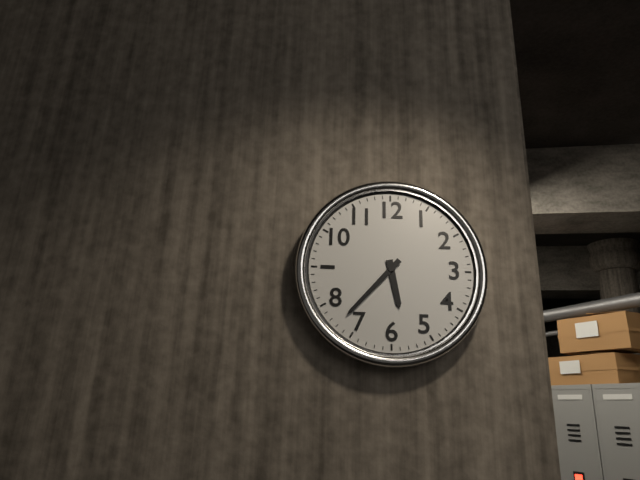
5:37
